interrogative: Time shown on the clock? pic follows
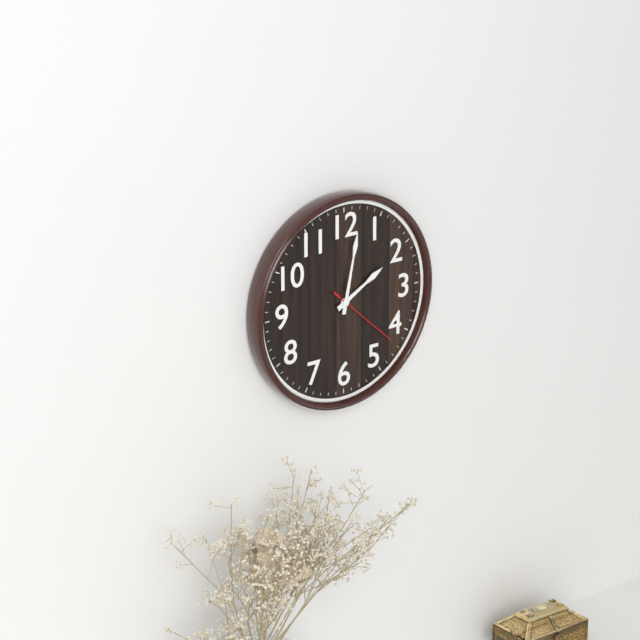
2:02:22
